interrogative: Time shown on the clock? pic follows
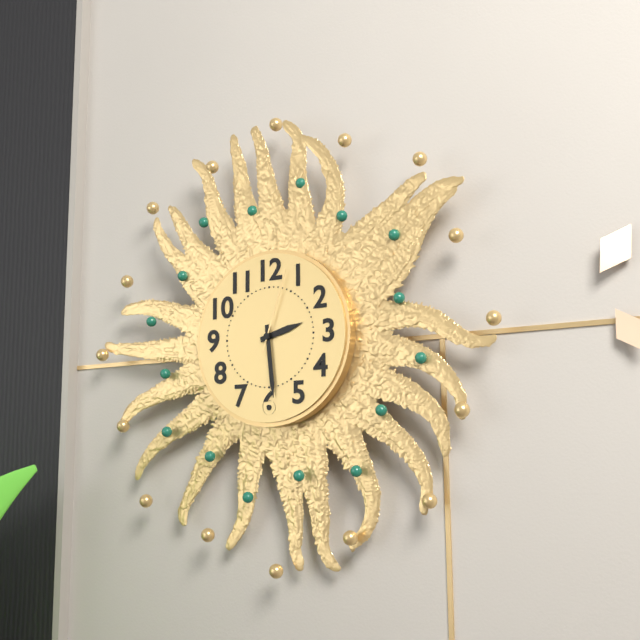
2:29:03
